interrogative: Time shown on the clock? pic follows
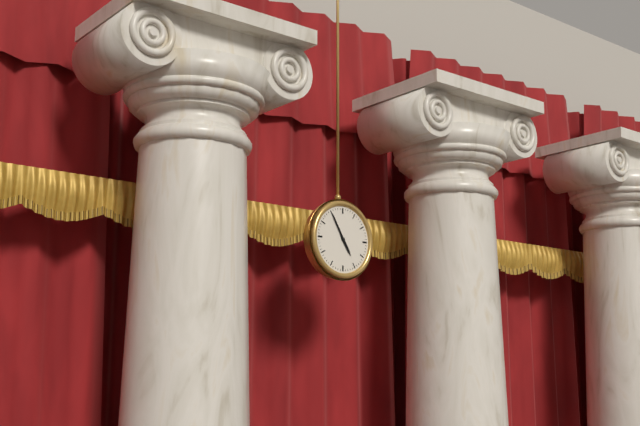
4:55
